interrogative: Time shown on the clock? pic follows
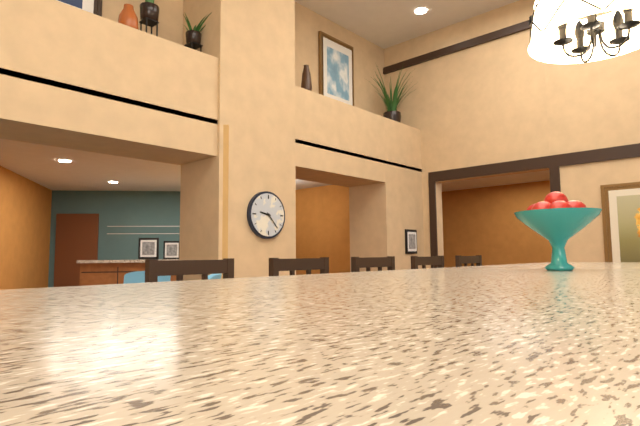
9:23
